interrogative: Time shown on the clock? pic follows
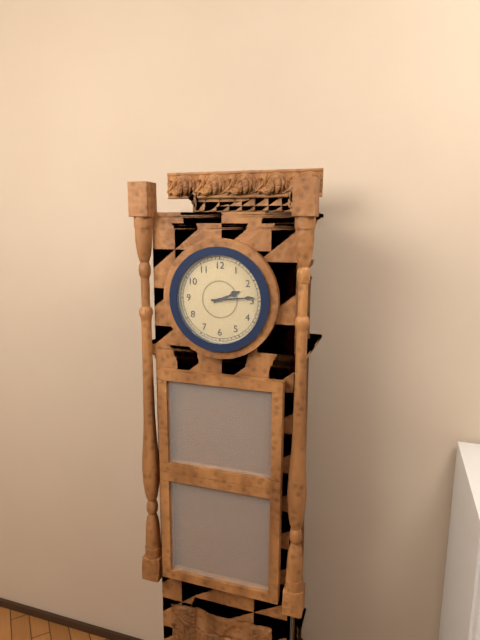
2:14
